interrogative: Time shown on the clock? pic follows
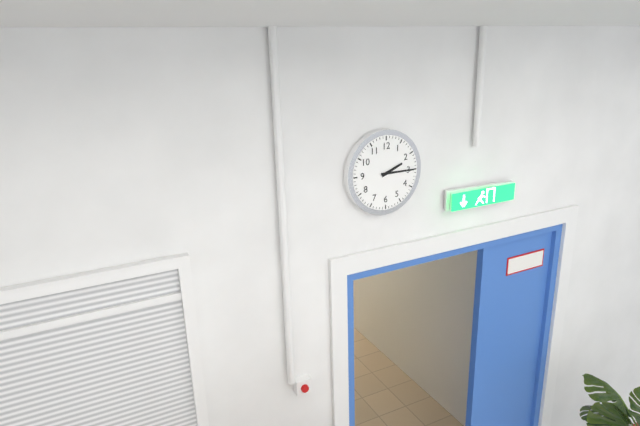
2:15
